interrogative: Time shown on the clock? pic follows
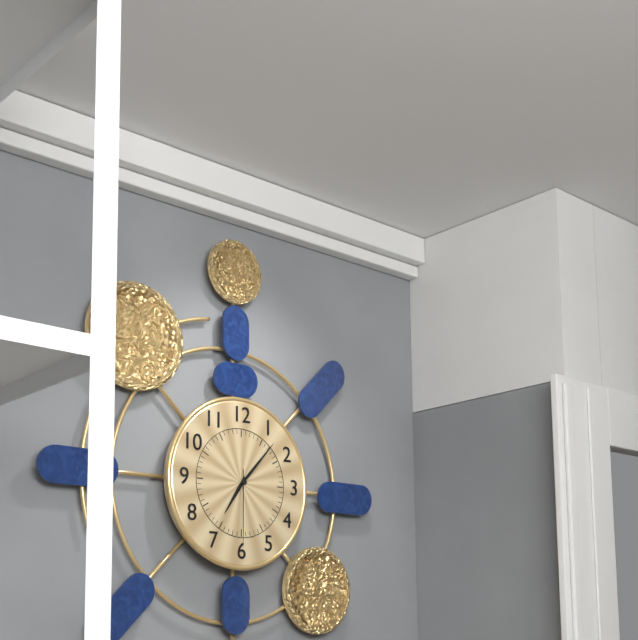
7:07:30
